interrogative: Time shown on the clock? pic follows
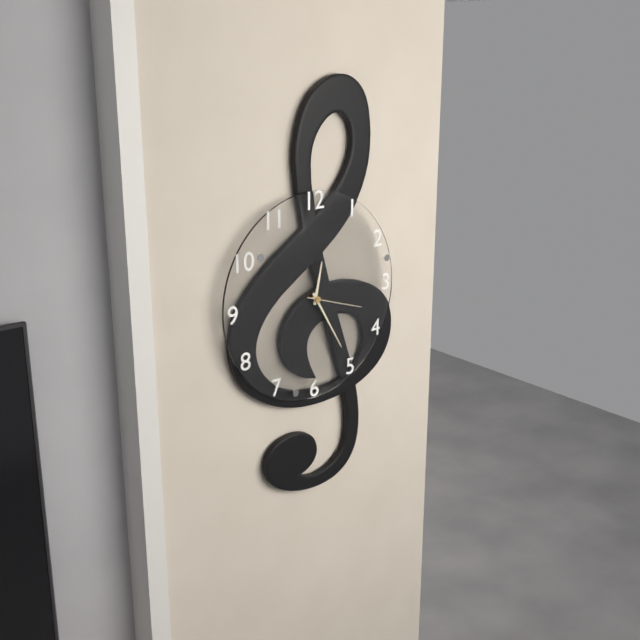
12:25:18
